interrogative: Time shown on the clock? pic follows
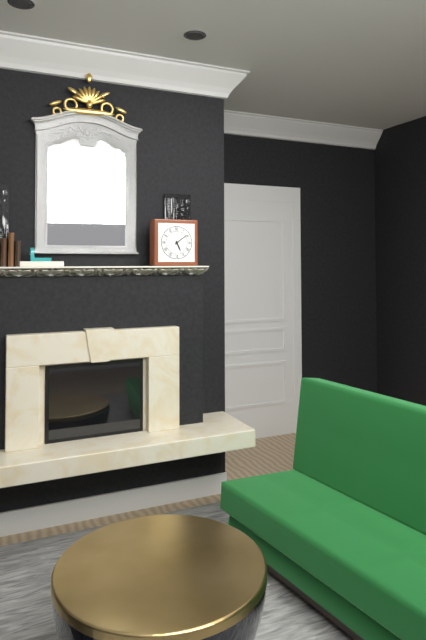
5:09
